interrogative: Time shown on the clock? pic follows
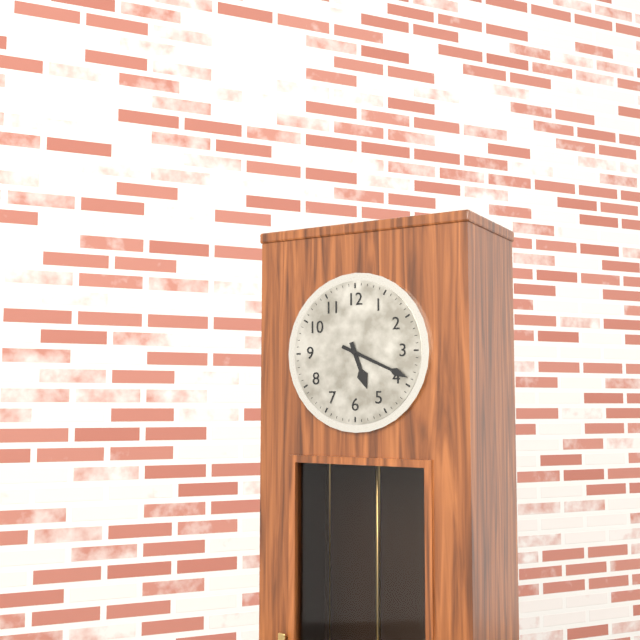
5:19
